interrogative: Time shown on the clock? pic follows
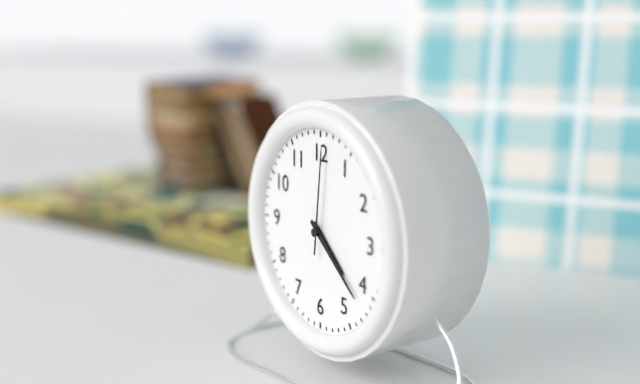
4:22:01
